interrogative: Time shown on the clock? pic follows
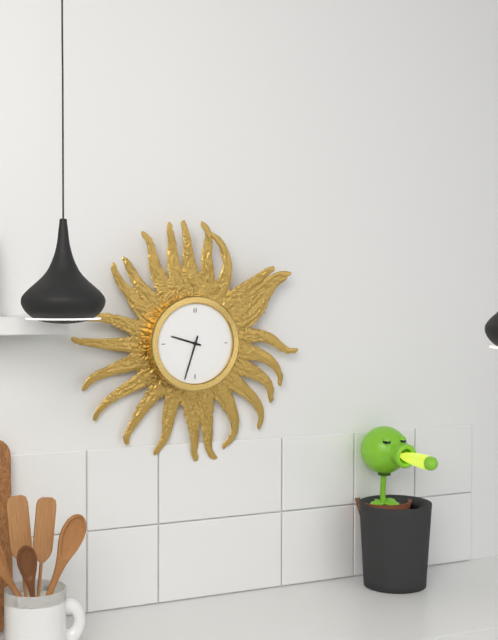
9:33
